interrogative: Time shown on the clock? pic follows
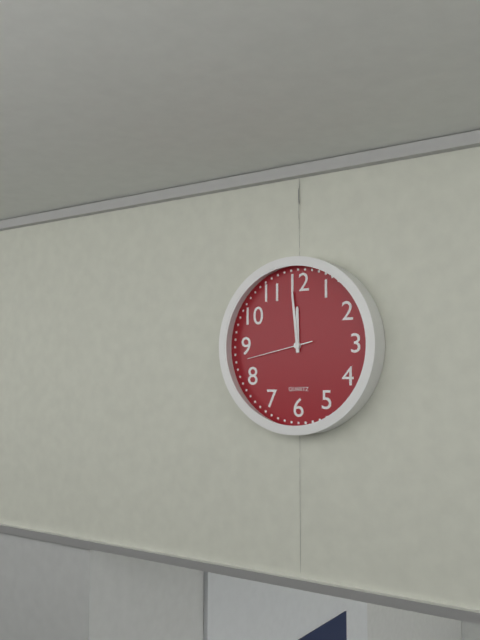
11:59:43
